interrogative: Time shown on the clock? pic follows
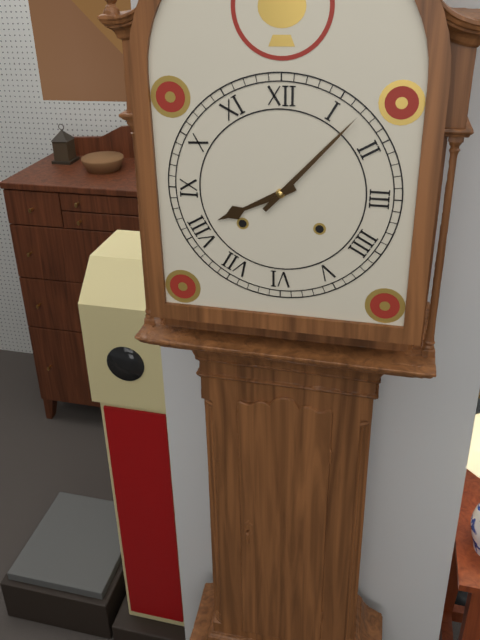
8:07
